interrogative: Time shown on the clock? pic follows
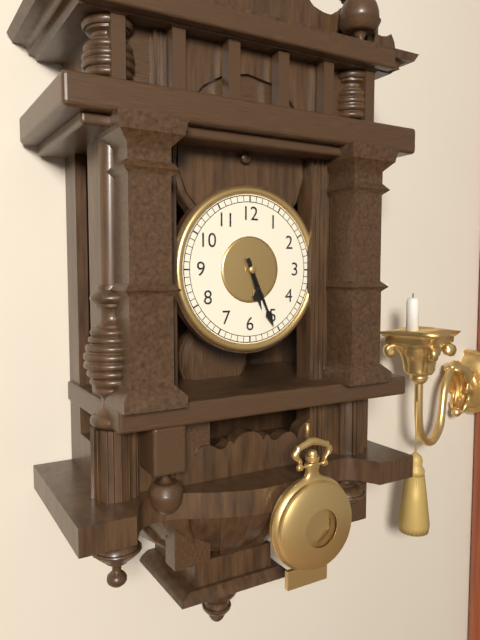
5:26
